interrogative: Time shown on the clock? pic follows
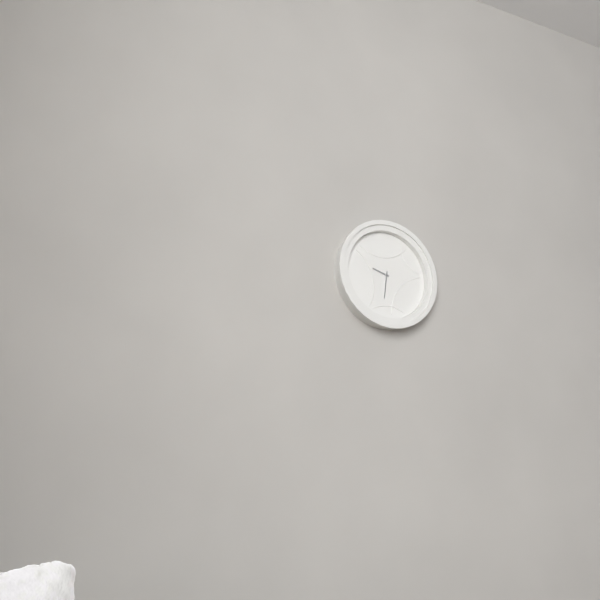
9:31
